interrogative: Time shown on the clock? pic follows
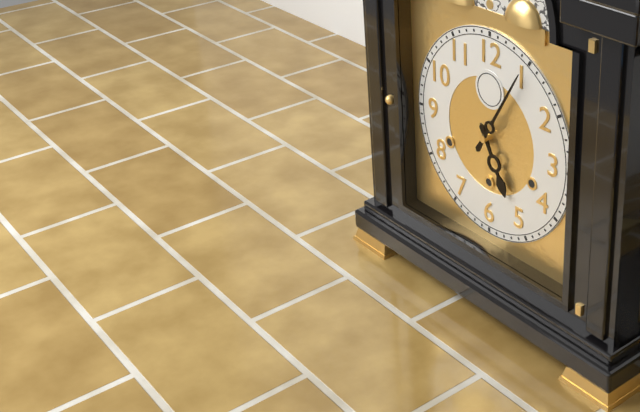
5:05
